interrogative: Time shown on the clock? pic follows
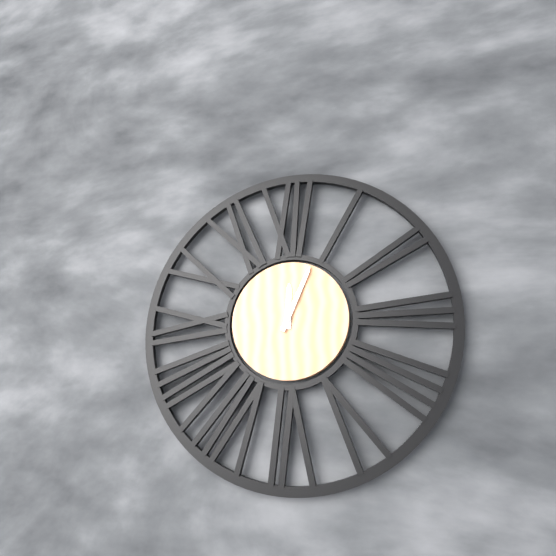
12:04
